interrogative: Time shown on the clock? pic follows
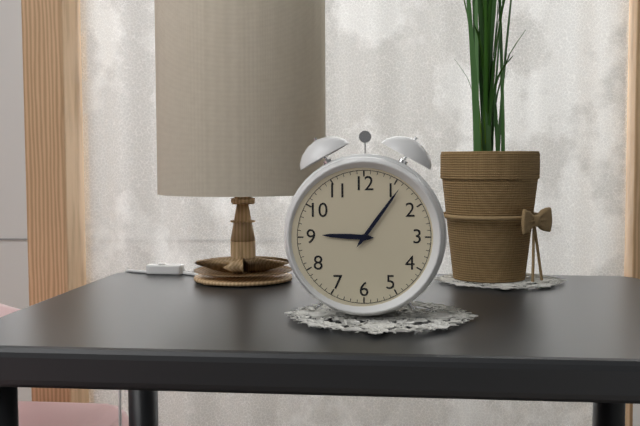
9:06
